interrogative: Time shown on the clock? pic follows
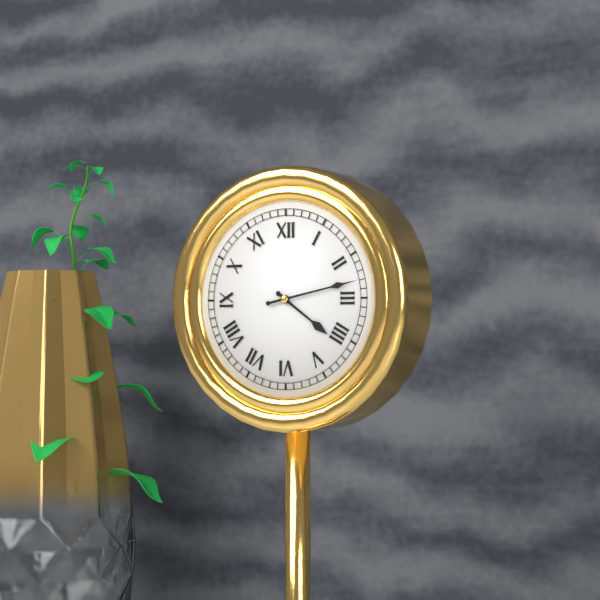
4:13
